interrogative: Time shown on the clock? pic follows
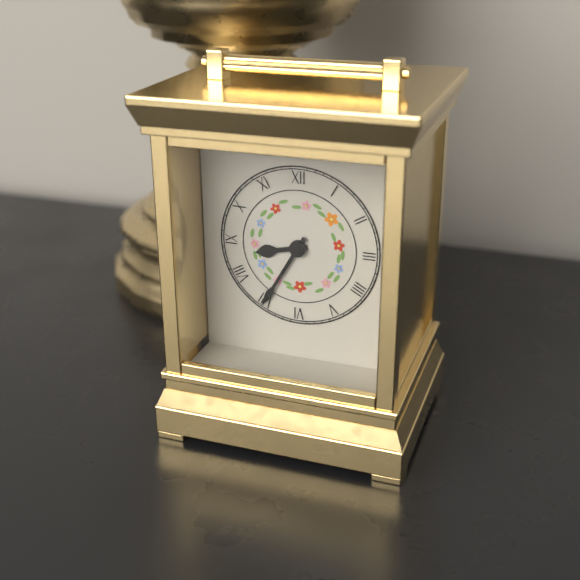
8:35
